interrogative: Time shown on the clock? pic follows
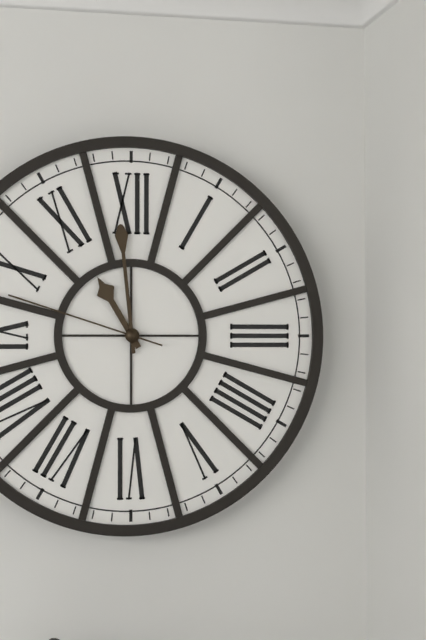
10:59:48
